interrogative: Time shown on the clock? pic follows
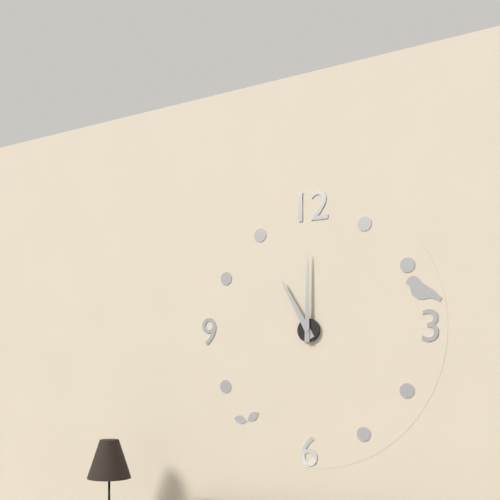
11:00
